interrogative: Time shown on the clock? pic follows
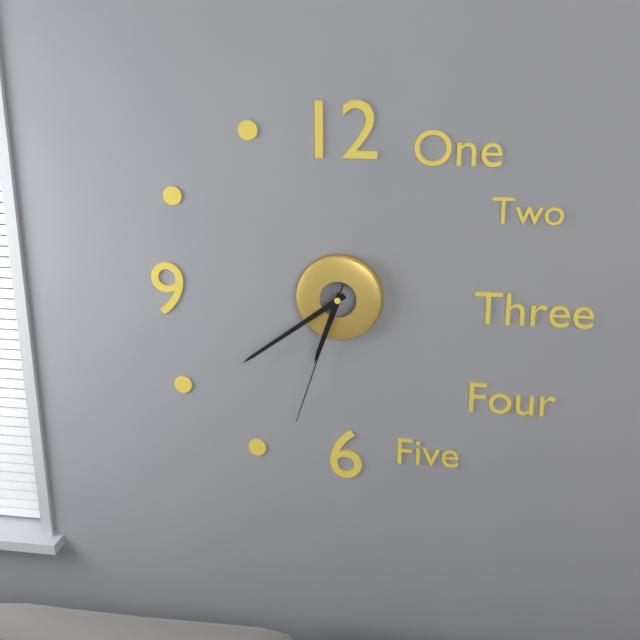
6:39:33
